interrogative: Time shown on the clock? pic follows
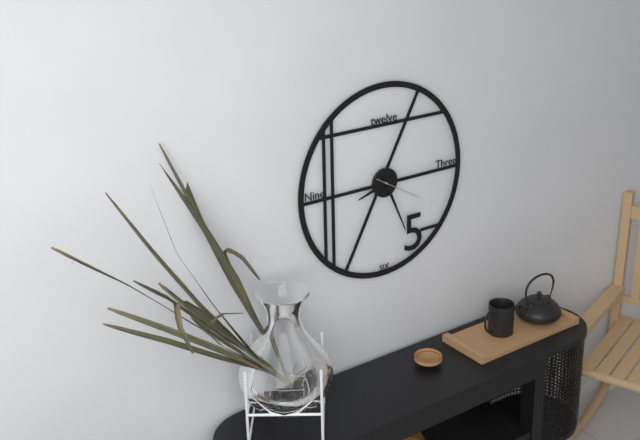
8:26
